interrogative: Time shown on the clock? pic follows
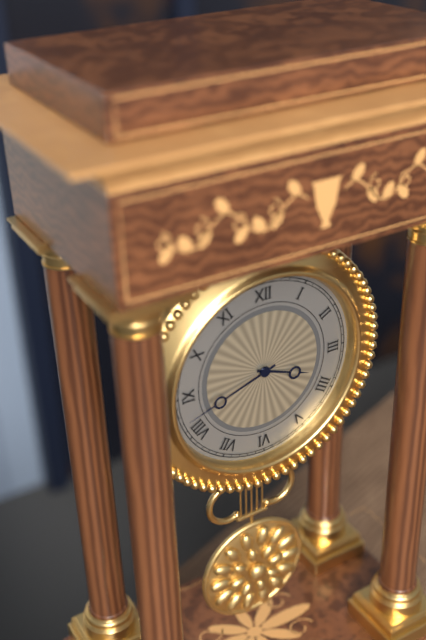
3:42
